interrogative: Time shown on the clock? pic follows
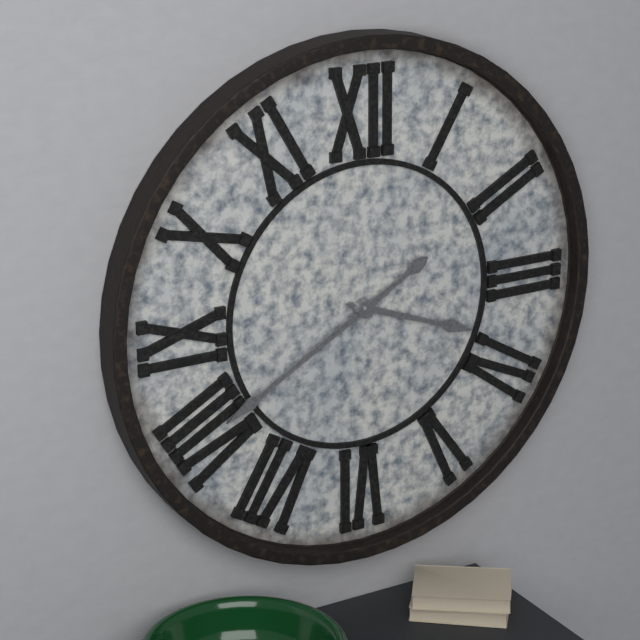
3:40
